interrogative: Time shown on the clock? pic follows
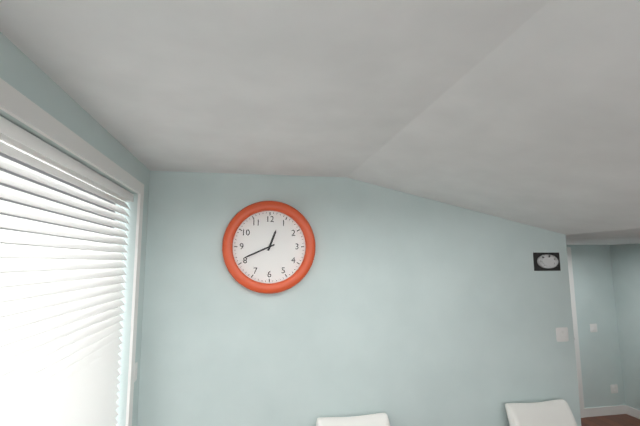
12:41
